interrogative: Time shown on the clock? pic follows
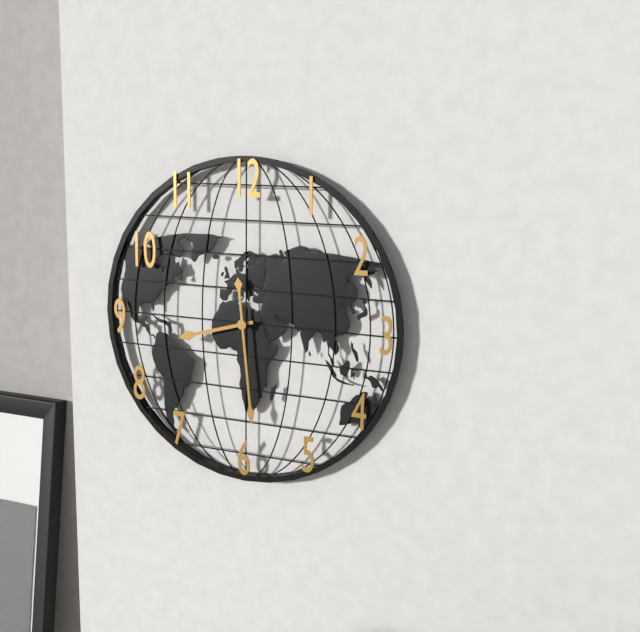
8:29
